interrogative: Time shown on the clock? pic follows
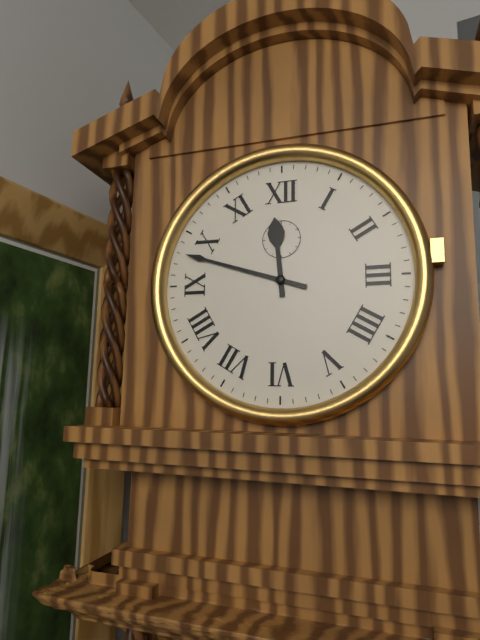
11:48
